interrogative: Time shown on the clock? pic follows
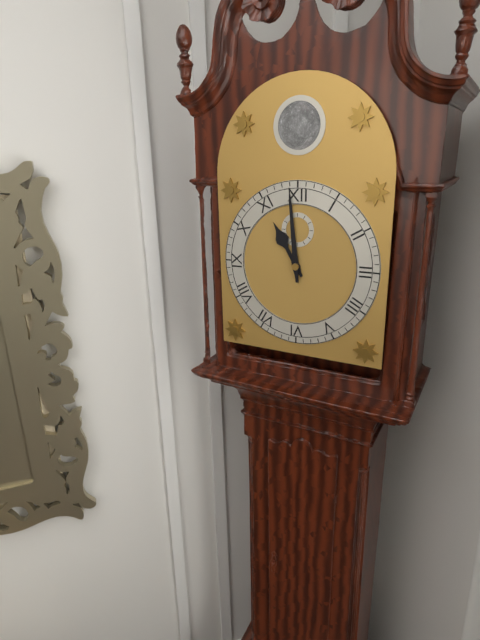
10:59
